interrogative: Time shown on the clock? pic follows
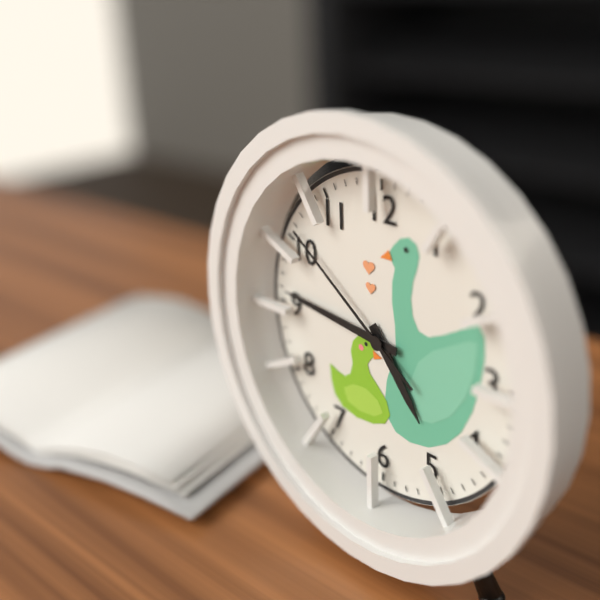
4:46:51
